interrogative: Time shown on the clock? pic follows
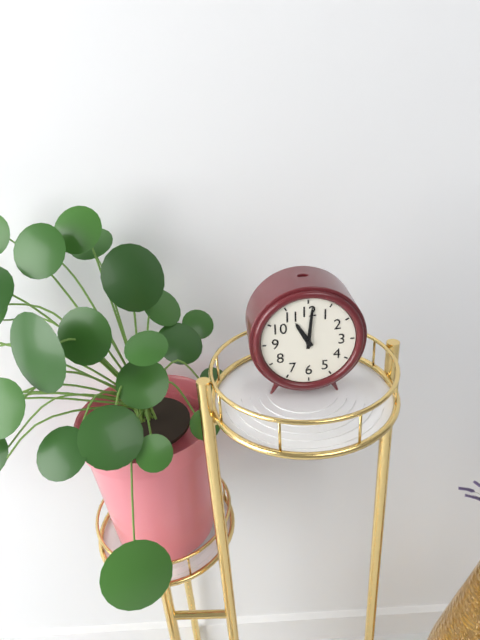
11:01
